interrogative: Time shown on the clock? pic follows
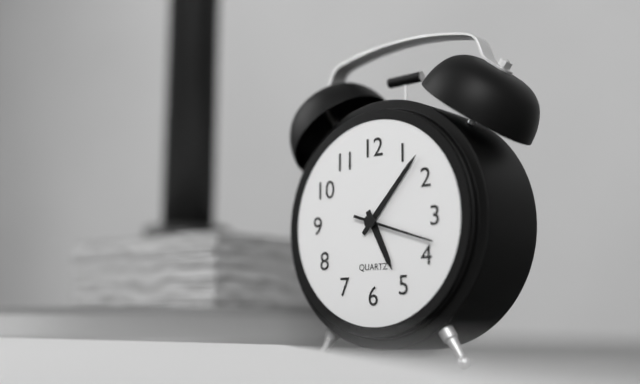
5:07:18
